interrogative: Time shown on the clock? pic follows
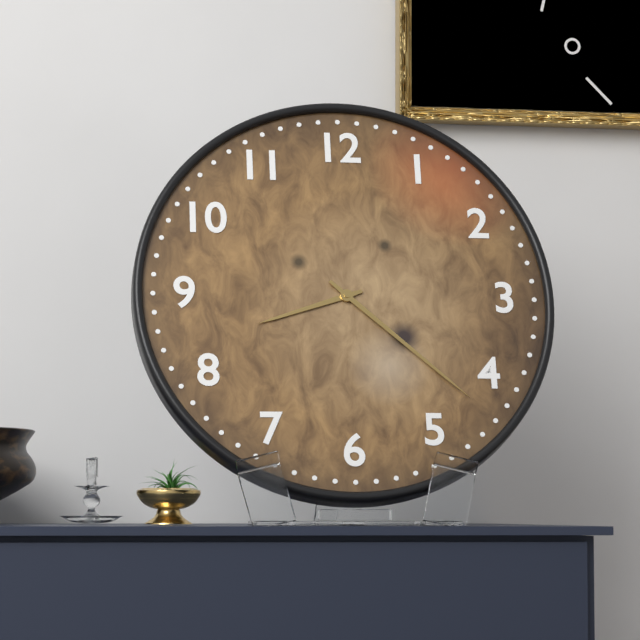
8:22
